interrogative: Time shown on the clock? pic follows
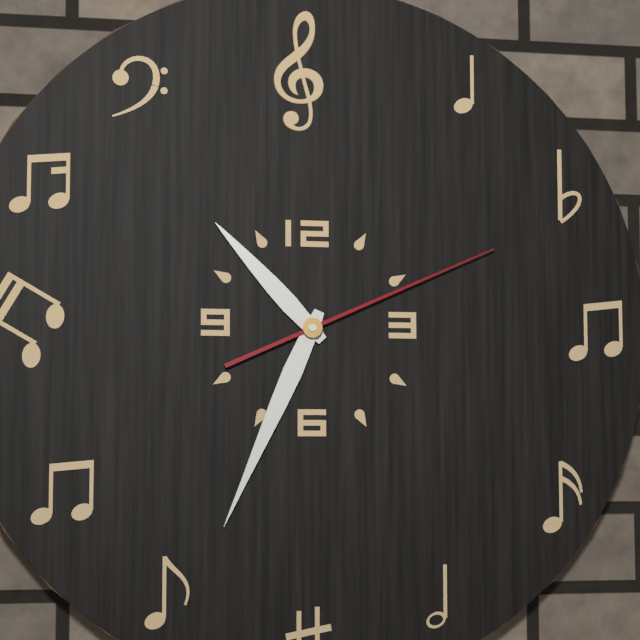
10:34:11
